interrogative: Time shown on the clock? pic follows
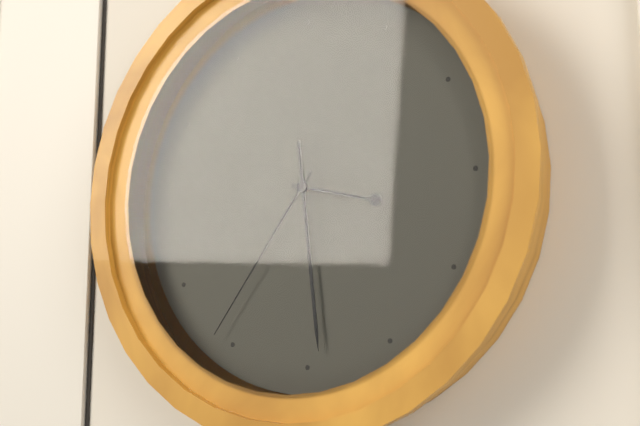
3:29:36
